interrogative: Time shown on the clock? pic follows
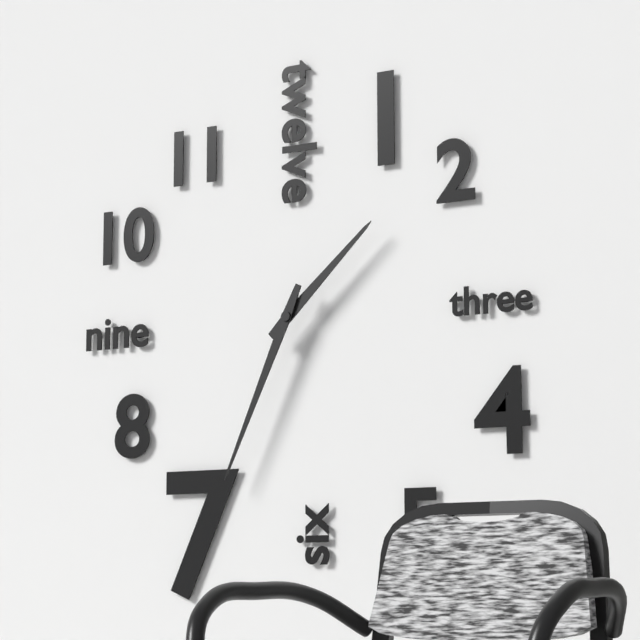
1:34
